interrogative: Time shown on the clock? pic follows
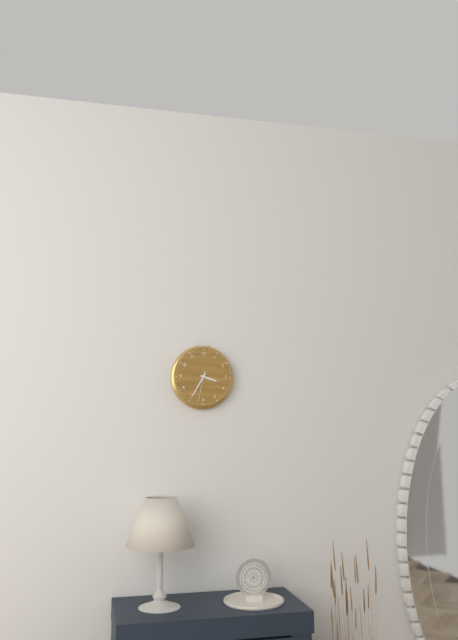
3:35
